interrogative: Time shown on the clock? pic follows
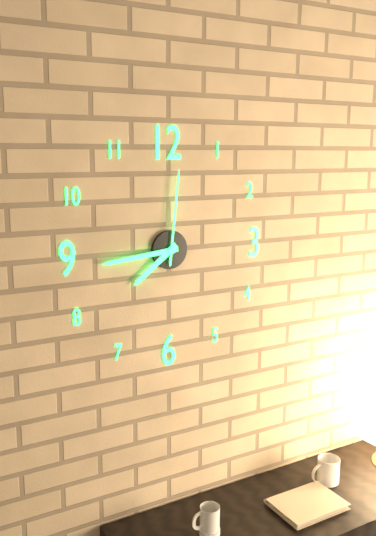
7:44:01
